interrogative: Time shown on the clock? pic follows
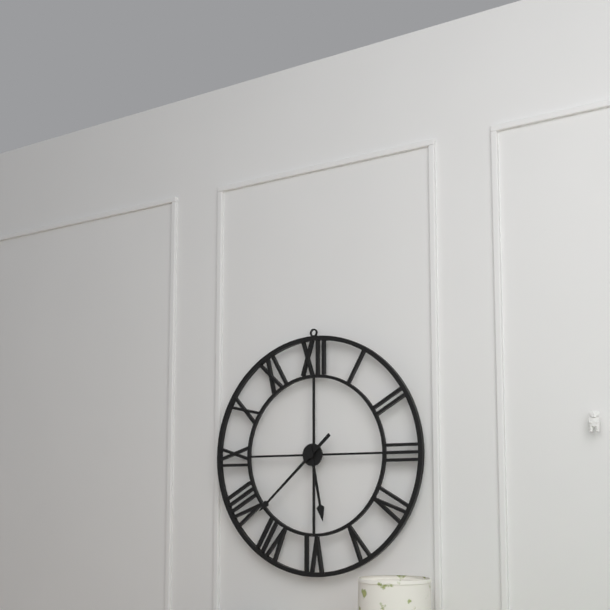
5:38
